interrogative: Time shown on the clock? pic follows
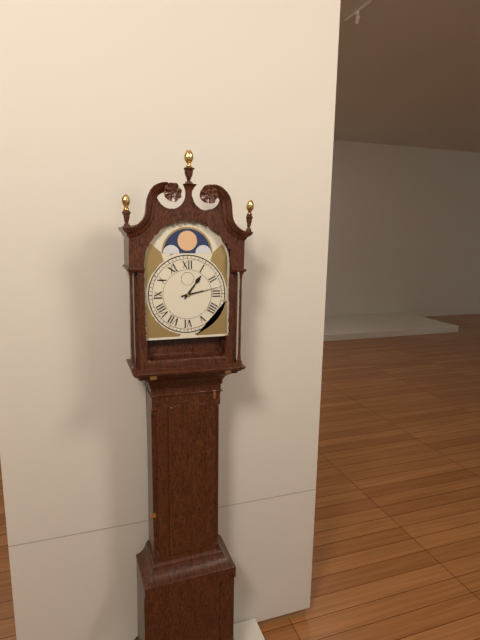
1:13
